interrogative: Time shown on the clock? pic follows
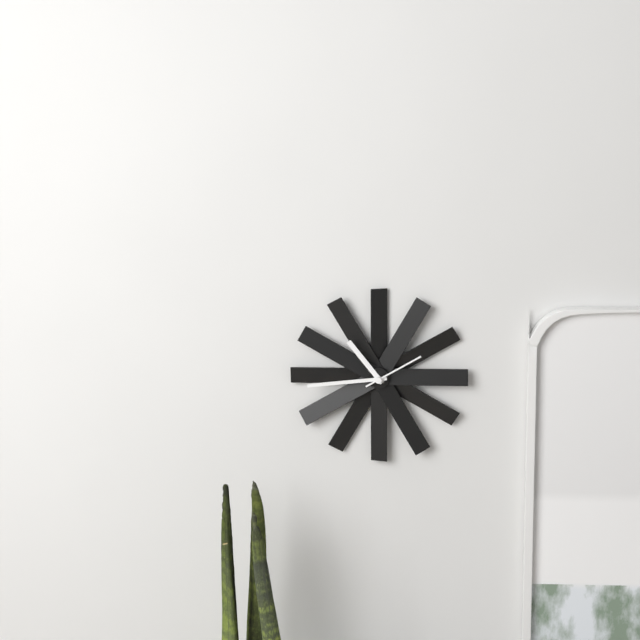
10:44:10
